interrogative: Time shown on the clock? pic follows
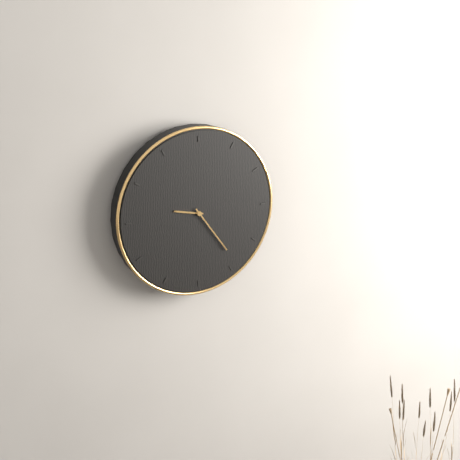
9:24
